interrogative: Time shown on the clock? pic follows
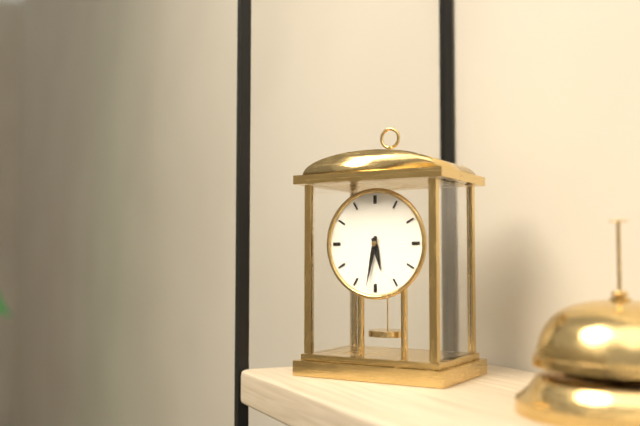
5:32
